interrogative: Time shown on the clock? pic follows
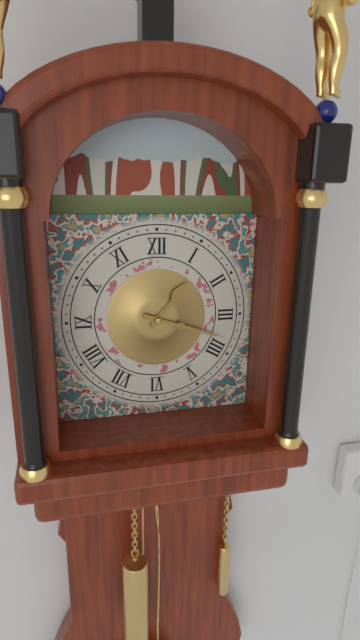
1:18
